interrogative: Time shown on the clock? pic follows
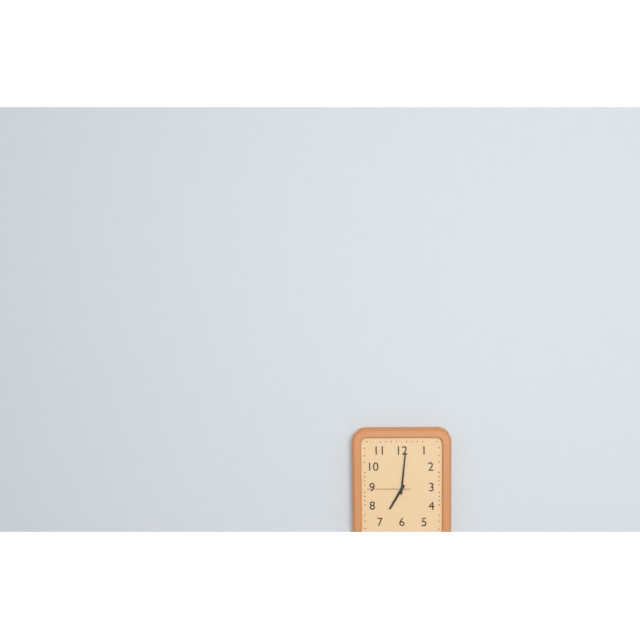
7:01
